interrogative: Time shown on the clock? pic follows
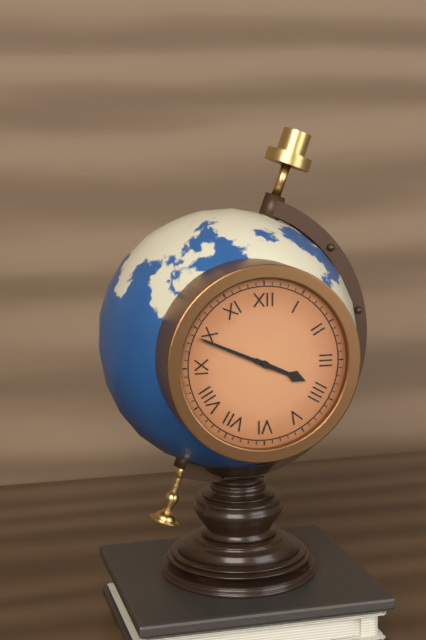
3:49
